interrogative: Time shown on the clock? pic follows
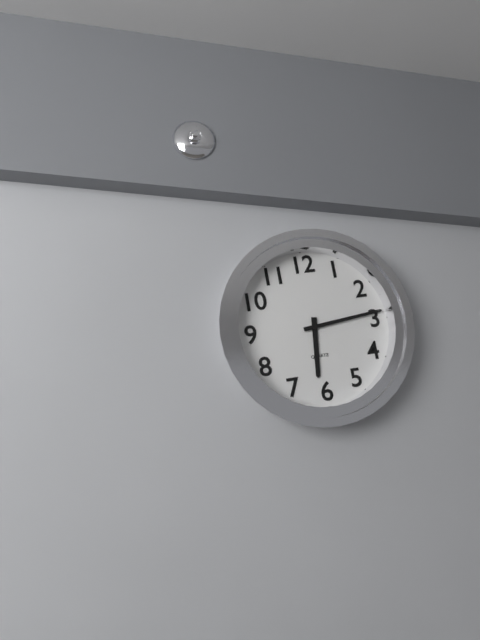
6:14
